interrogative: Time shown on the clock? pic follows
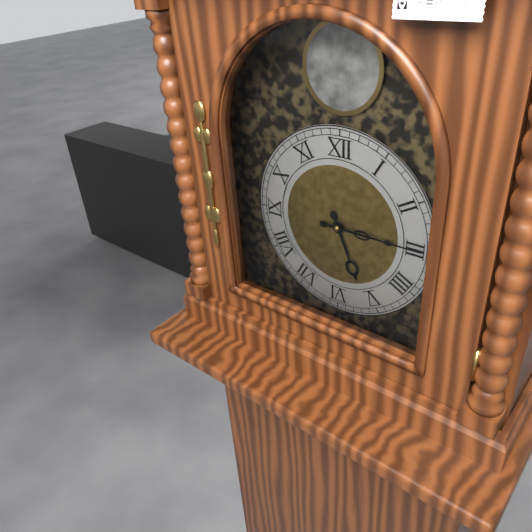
5:15
